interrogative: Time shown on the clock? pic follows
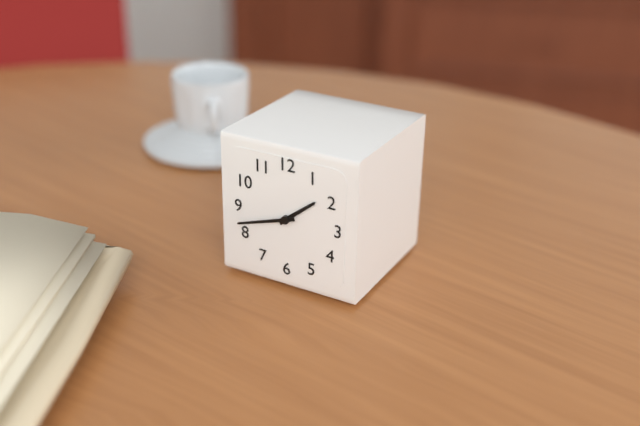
1:42
